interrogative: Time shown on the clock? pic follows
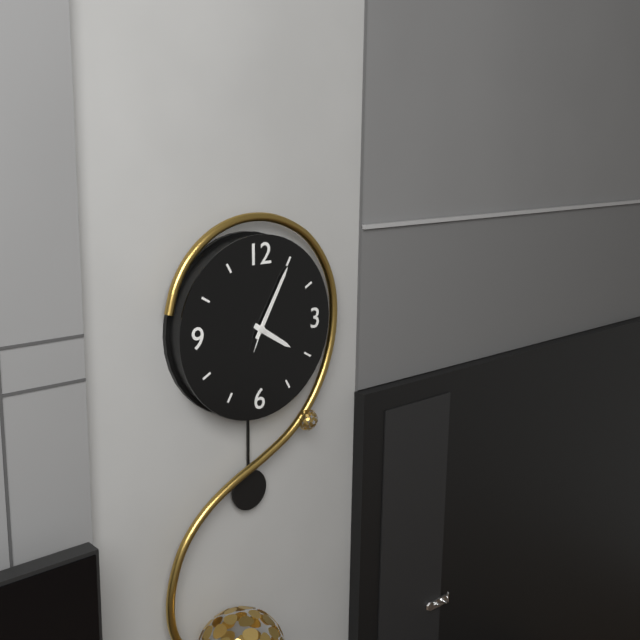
4:05
